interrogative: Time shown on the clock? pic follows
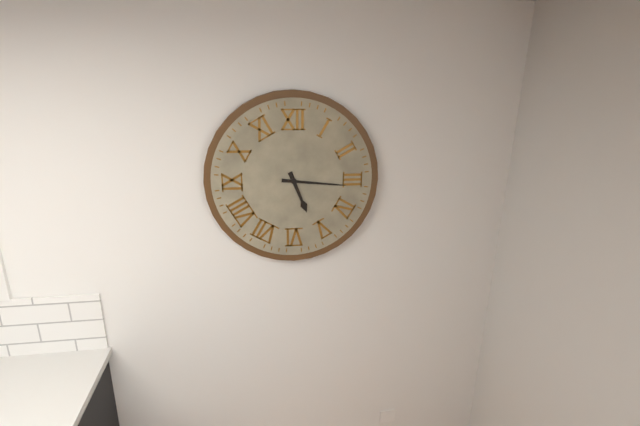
5:16
